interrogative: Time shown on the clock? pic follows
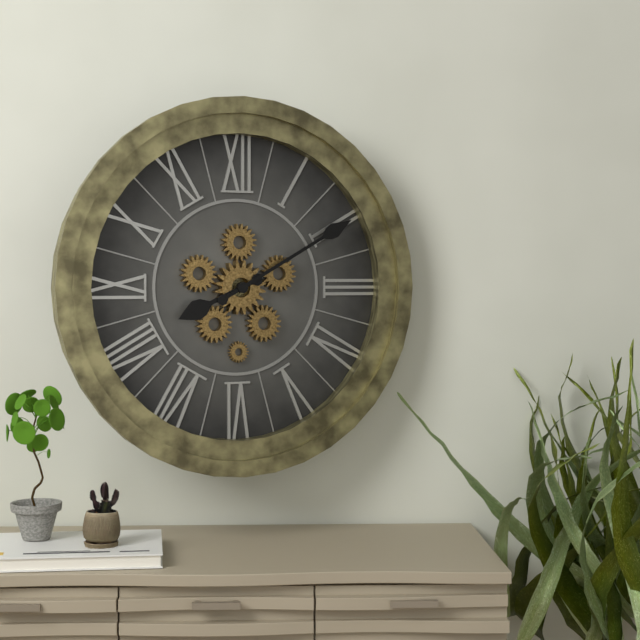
8:10
